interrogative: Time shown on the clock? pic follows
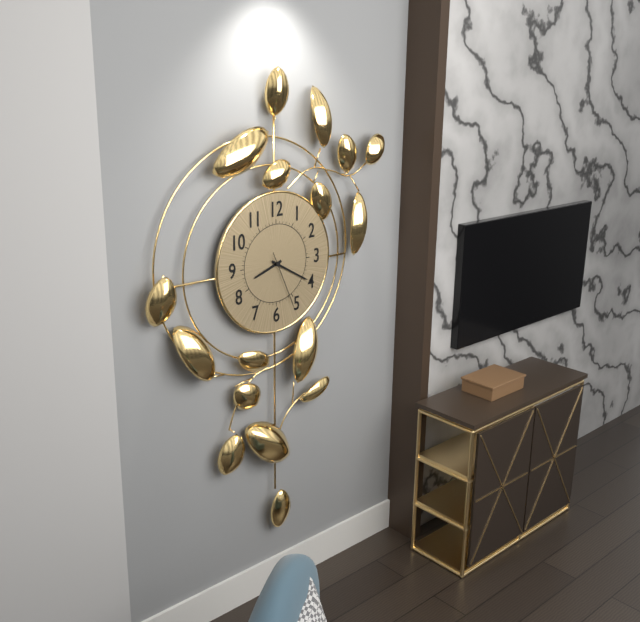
8:20:26
